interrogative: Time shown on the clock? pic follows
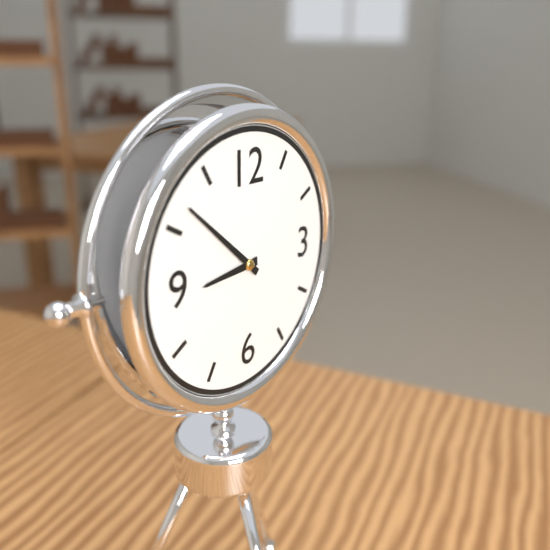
8:52
